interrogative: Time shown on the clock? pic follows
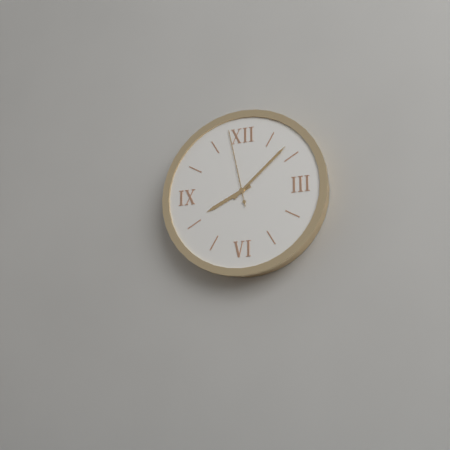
8:08:58
